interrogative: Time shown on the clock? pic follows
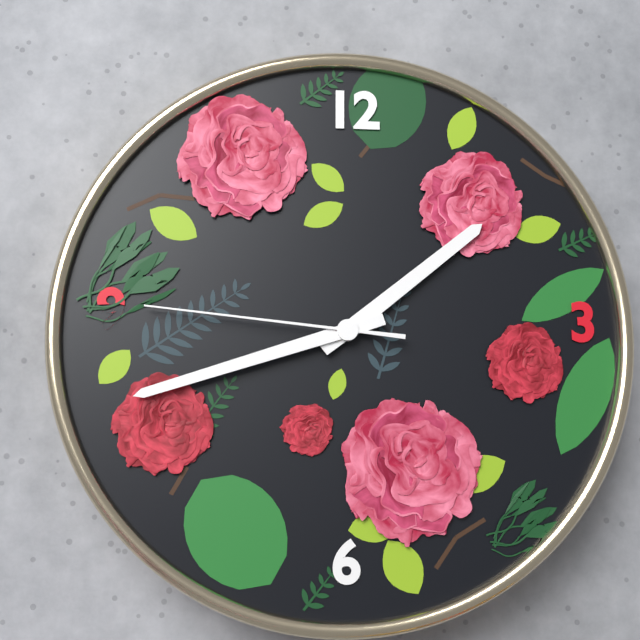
1:42:46
